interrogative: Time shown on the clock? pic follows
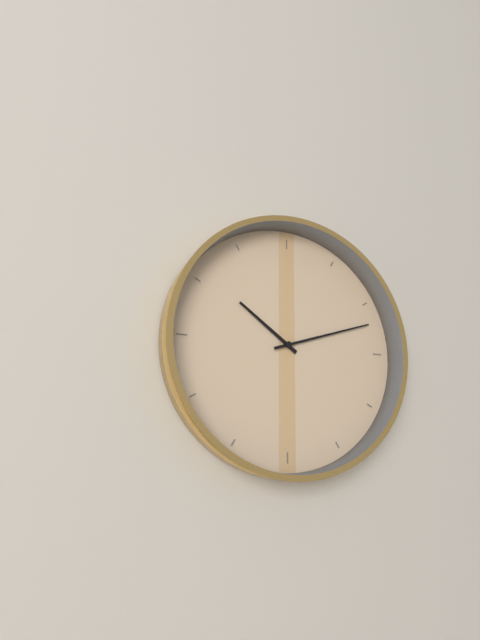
10:12
